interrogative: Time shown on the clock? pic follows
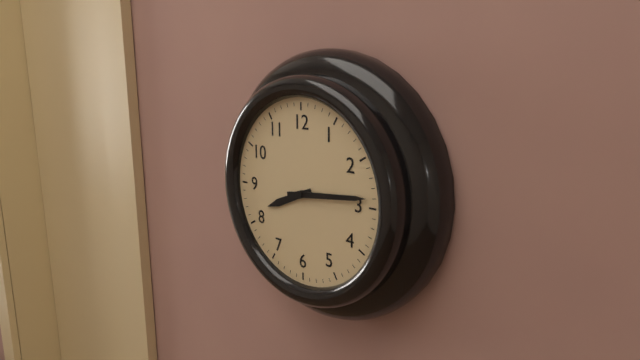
8:14
